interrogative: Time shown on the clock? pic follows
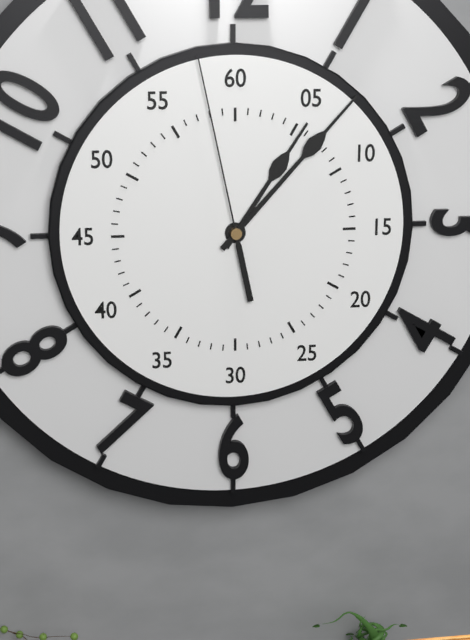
1:07:58
